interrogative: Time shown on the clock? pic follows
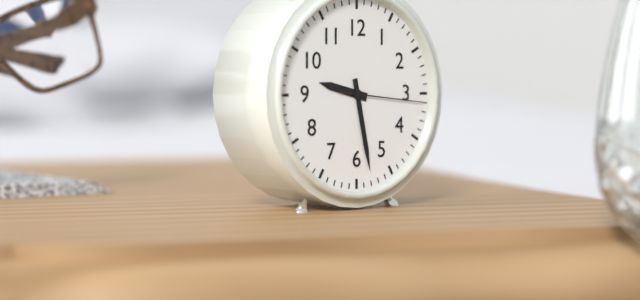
9:28:16
